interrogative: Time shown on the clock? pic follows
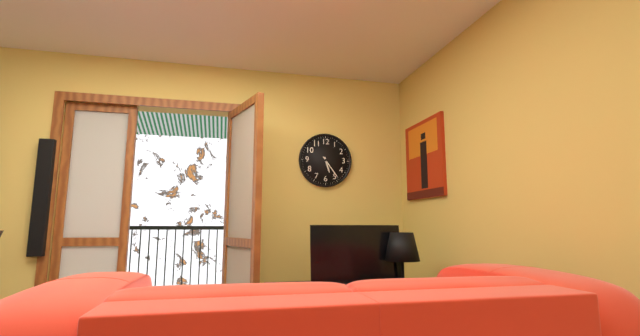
5:24
